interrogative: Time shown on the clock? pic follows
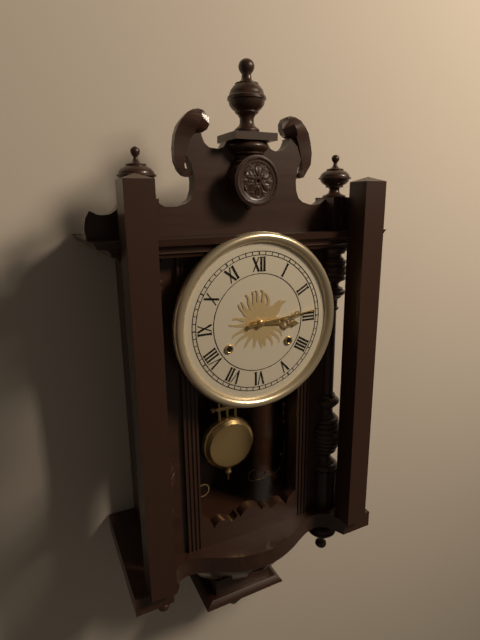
3:14
